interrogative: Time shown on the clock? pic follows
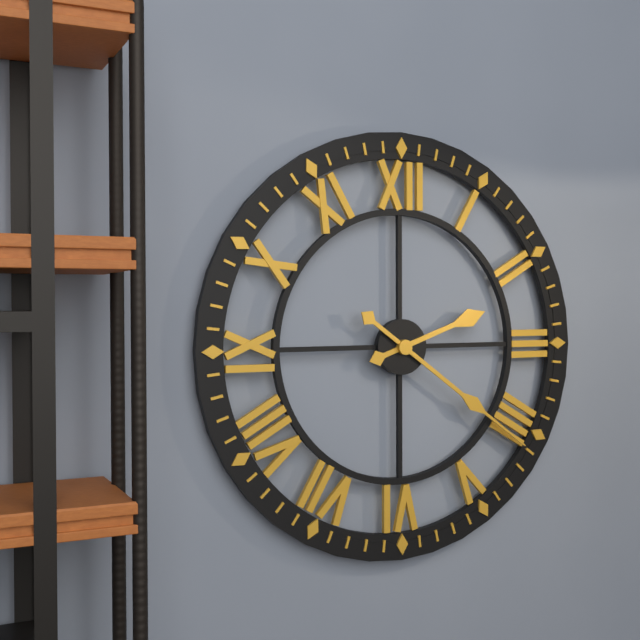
2:21
